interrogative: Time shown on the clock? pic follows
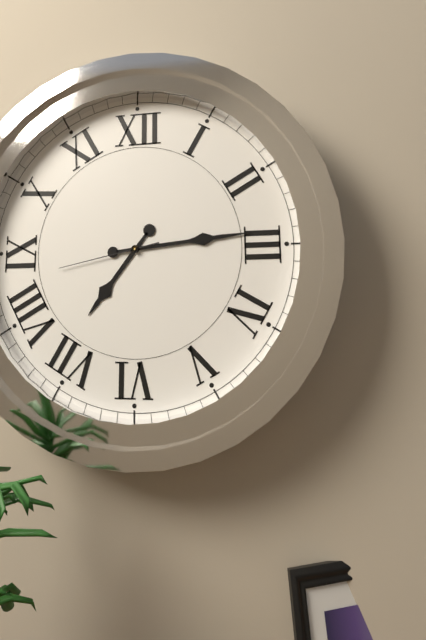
7:14:43
